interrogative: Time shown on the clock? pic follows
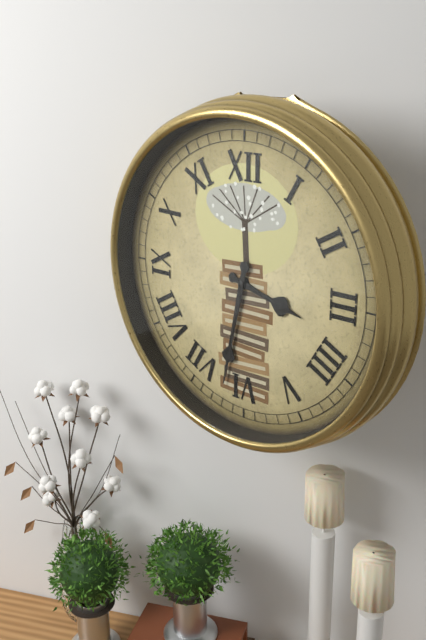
3:32
